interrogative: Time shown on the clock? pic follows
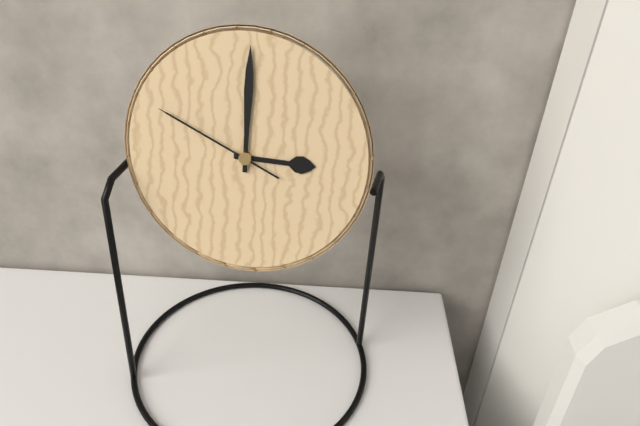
3:00:49
